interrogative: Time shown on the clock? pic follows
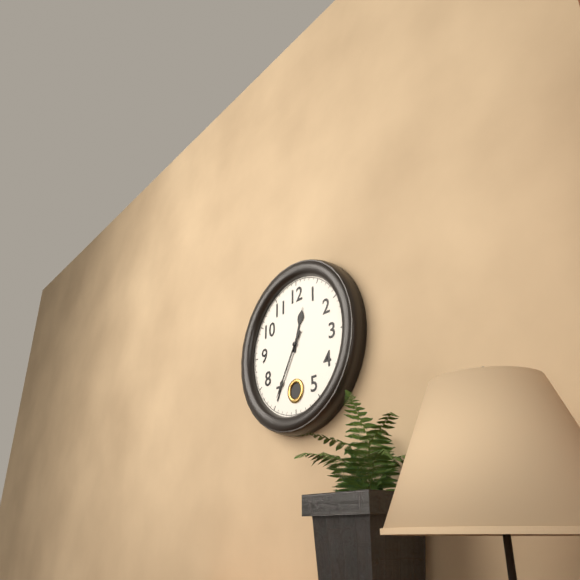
12:35
